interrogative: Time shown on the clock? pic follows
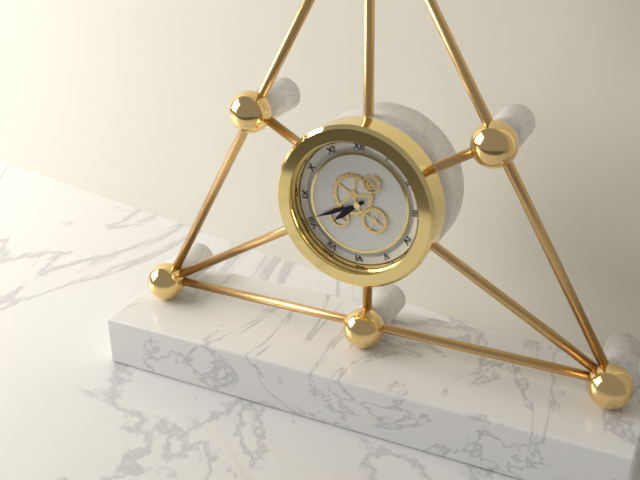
7:41
